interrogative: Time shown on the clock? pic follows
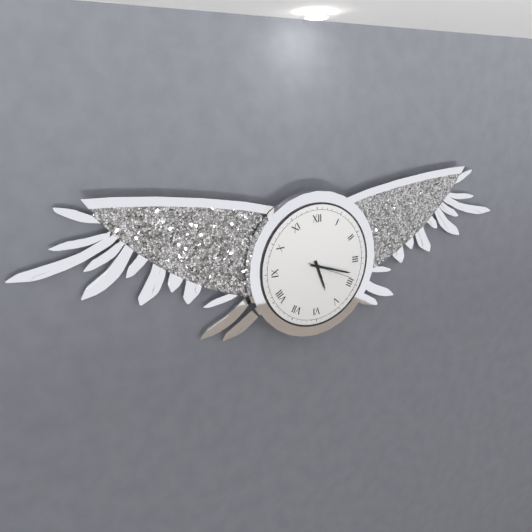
5:18:19
